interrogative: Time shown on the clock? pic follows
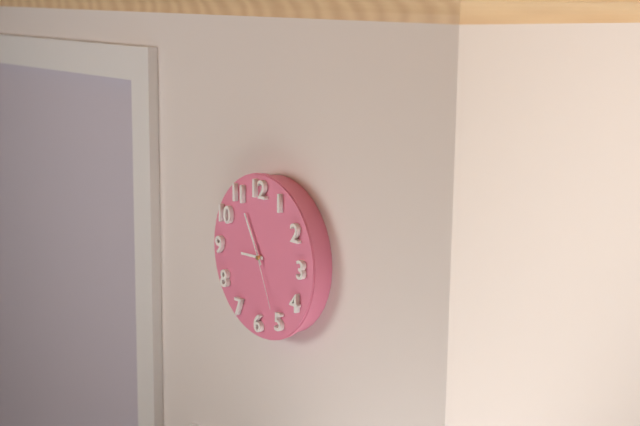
8:55:26
